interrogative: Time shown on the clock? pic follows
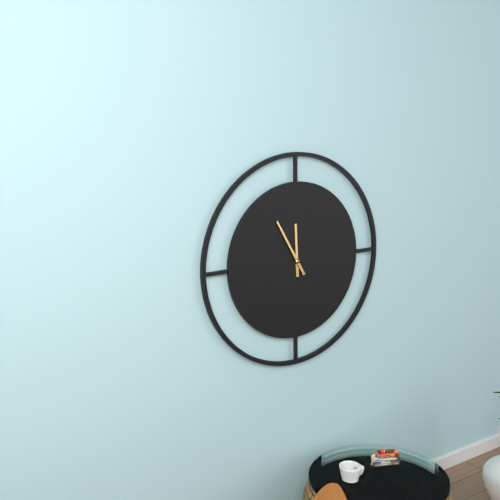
11:55
